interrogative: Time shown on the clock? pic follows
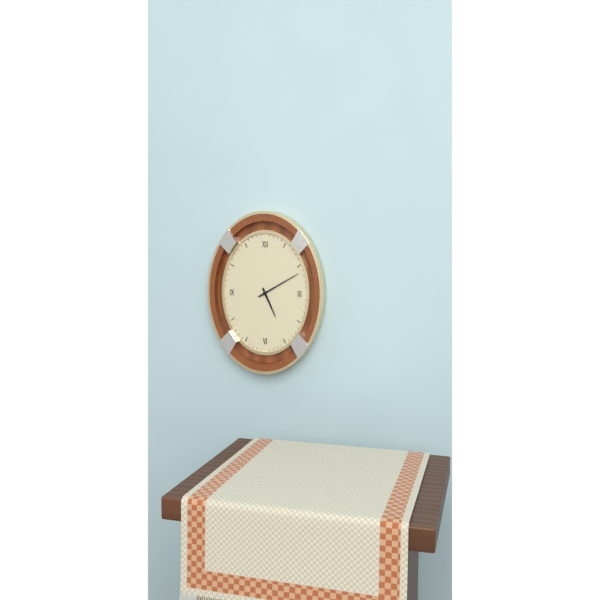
5:10
